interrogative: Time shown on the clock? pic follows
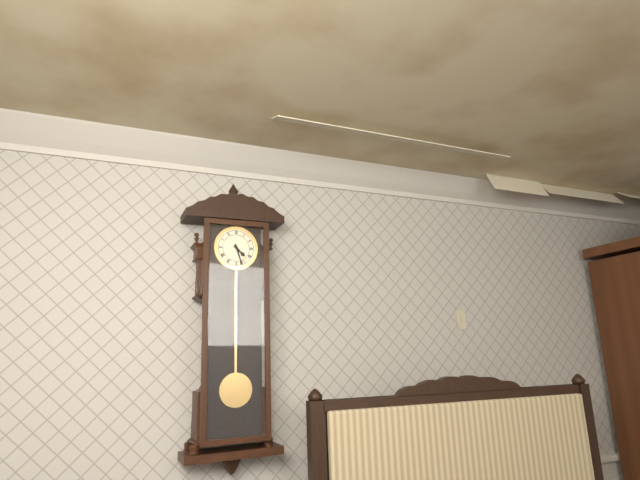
4:27
